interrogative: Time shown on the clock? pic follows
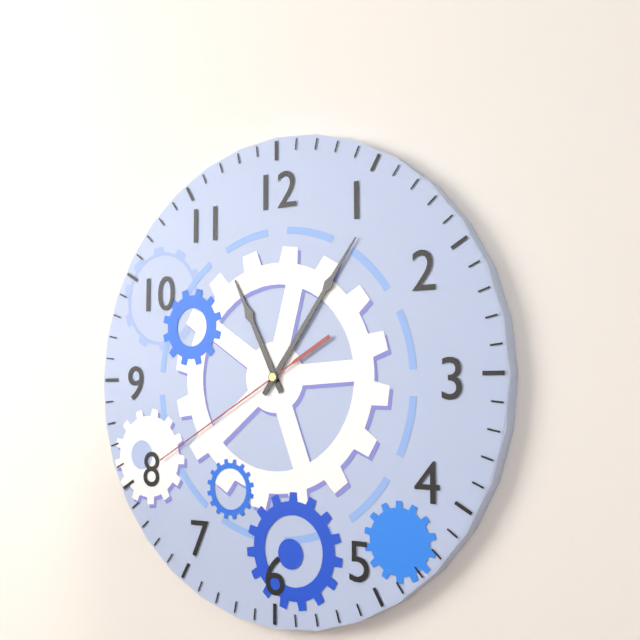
11:06:40
